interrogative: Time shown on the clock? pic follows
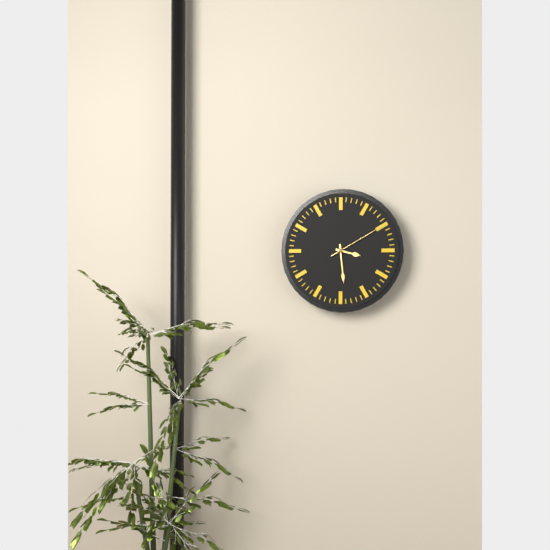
3:29:10
